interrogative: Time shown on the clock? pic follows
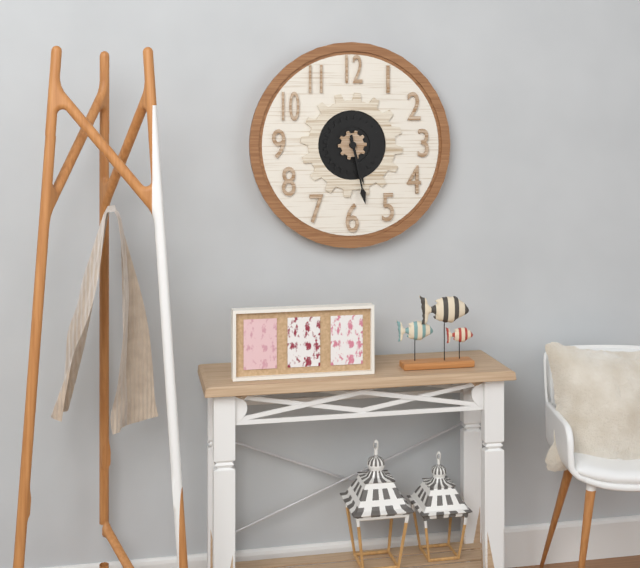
5:28
